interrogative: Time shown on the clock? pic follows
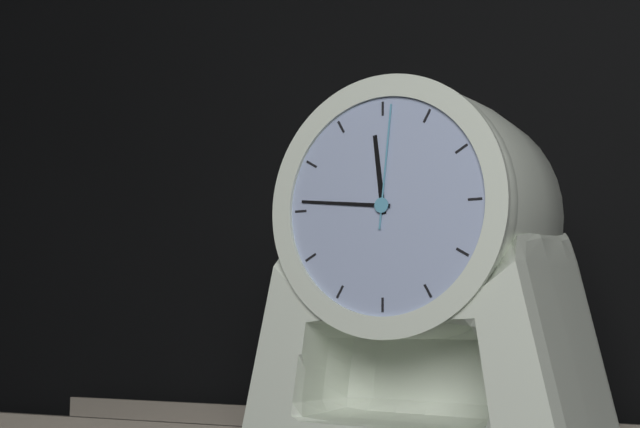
11:46:01
